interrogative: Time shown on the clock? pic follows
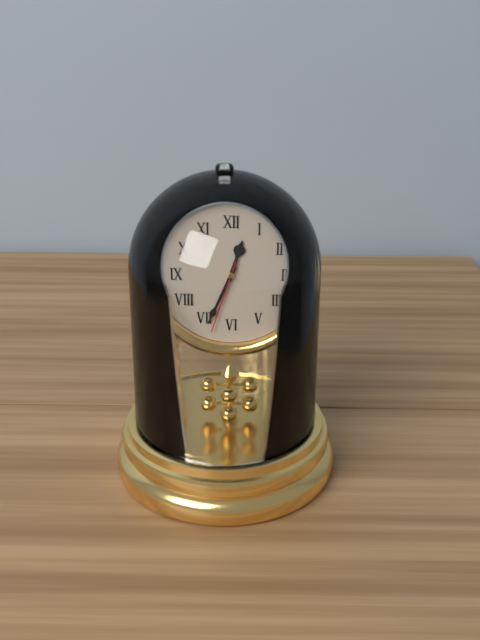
12:34:33
